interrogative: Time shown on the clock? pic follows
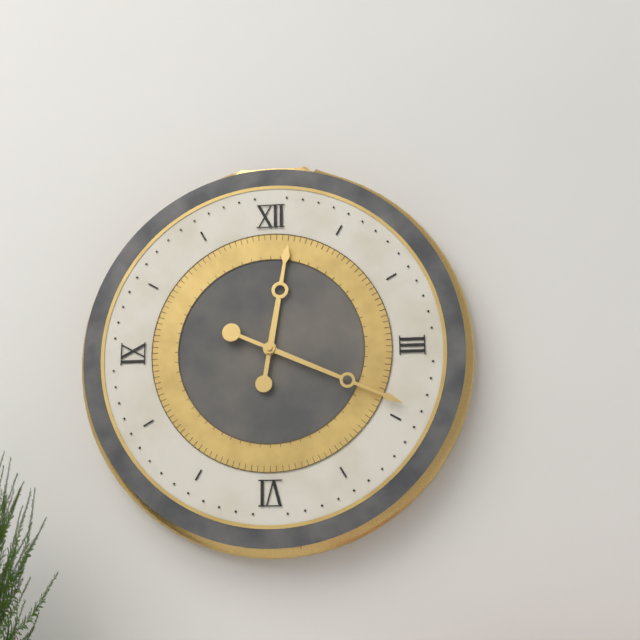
12:19
